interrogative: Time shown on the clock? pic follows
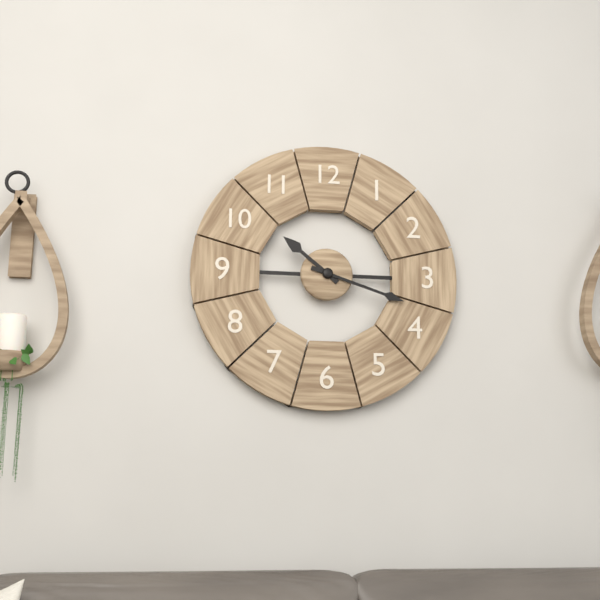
10:18
